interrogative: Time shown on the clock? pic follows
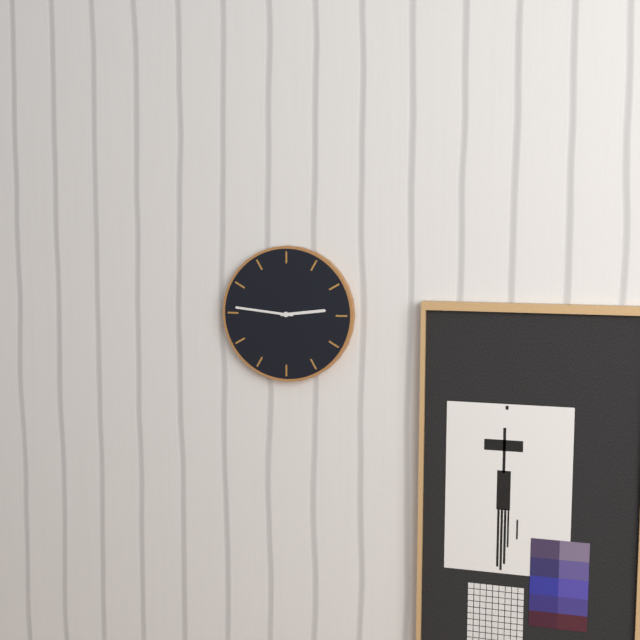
2:46
